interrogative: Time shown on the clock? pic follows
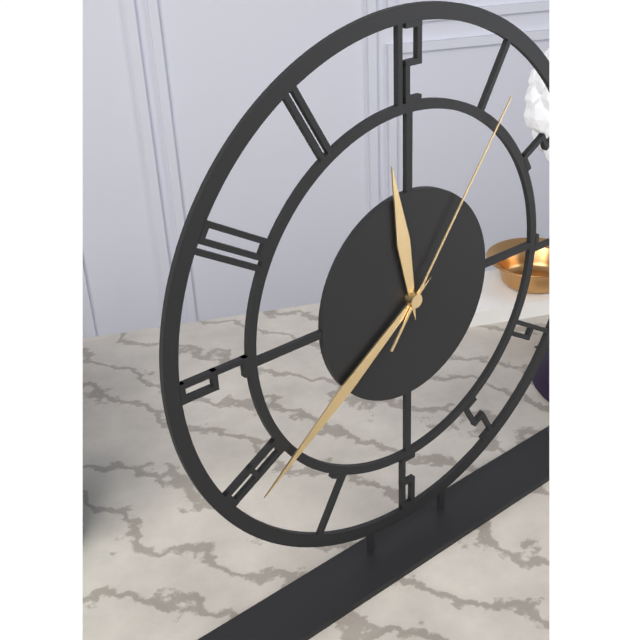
11:39:06
